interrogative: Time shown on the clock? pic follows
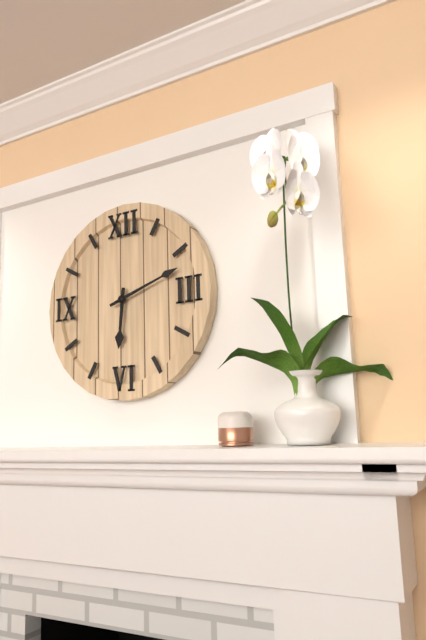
6:12
